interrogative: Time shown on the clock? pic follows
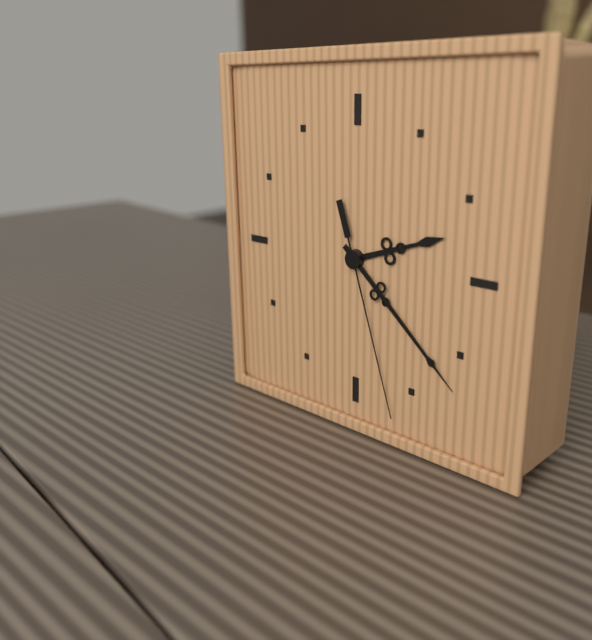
2:22:27
